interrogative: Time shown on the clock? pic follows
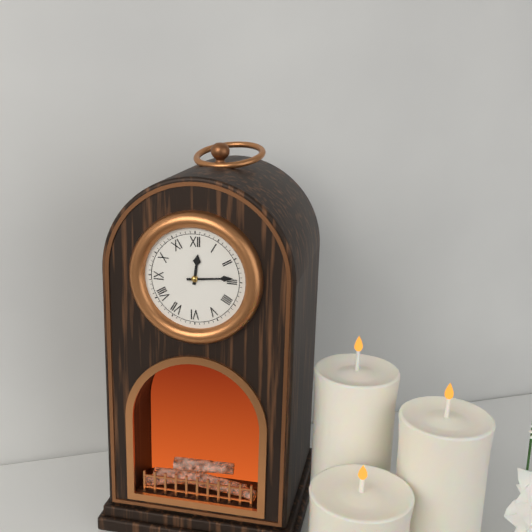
12:14
